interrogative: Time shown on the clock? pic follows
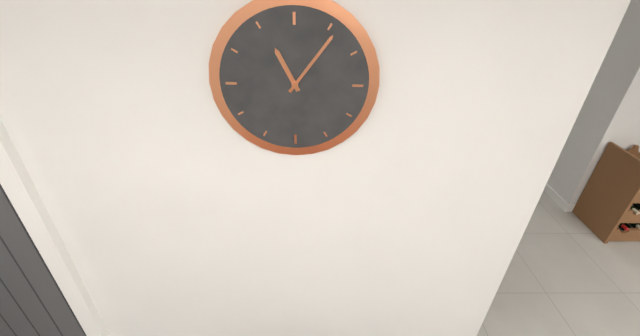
11:06
